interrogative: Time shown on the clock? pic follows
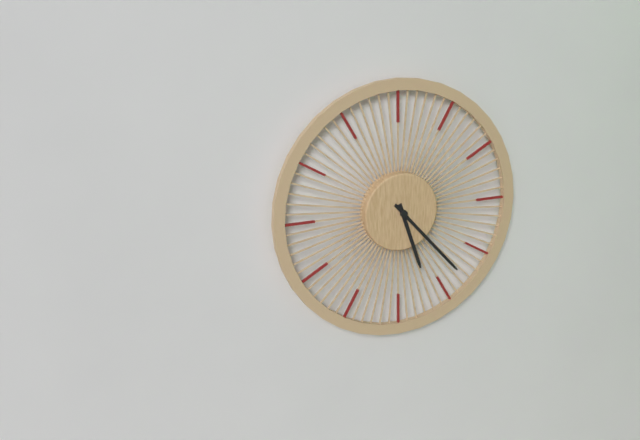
5:23
